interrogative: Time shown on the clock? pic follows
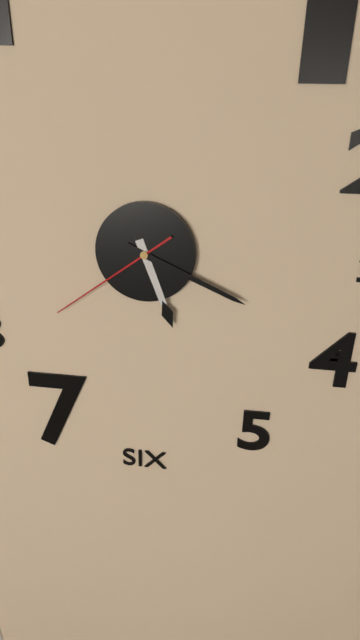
5:19:39
